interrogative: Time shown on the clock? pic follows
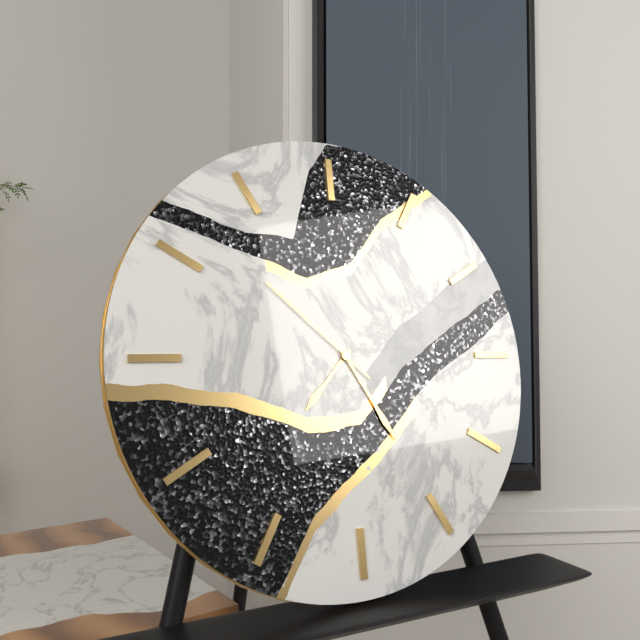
7:25:52
